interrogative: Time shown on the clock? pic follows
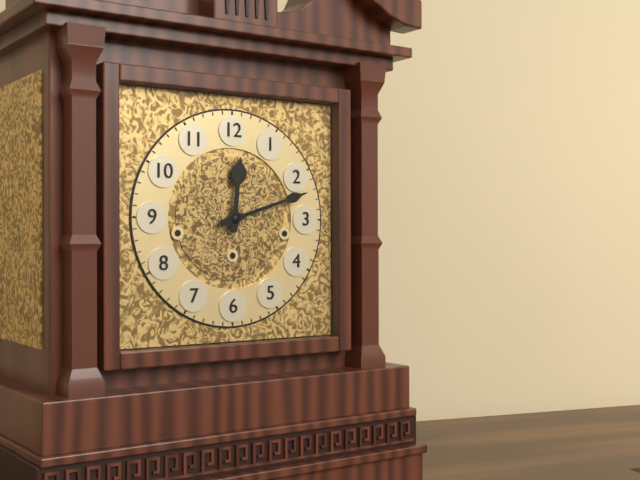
12:12
